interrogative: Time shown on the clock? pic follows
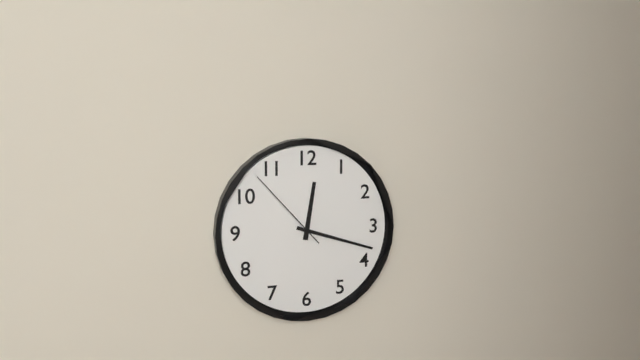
12:18:53
